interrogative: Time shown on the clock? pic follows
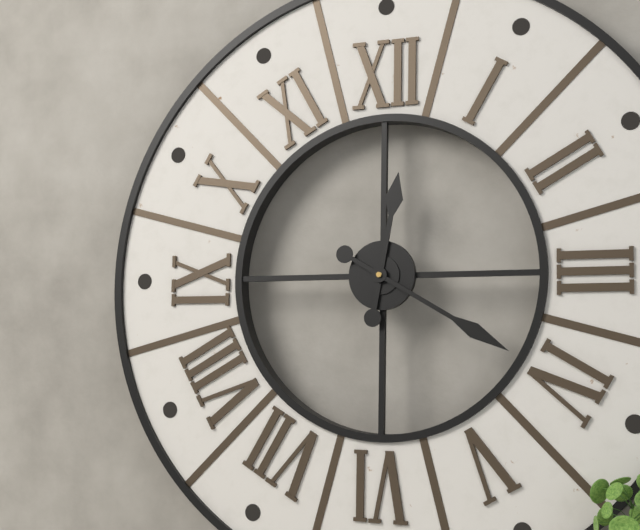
12:20
